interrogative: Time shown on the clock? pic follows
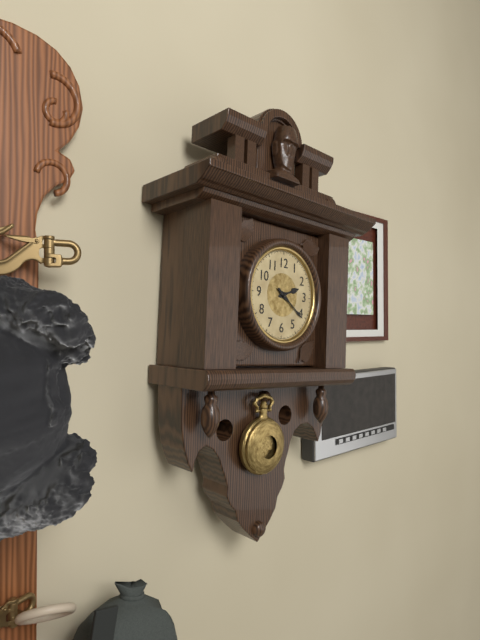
2:21
